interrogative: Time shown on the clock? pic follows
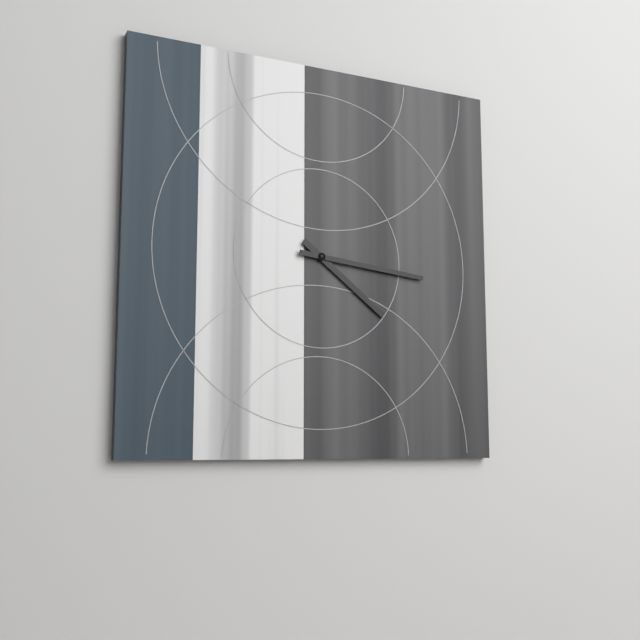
4:16
